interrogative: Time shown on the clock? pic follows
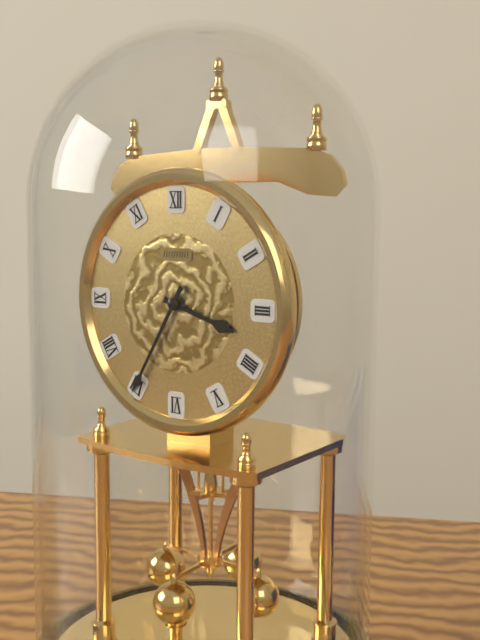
3:35
